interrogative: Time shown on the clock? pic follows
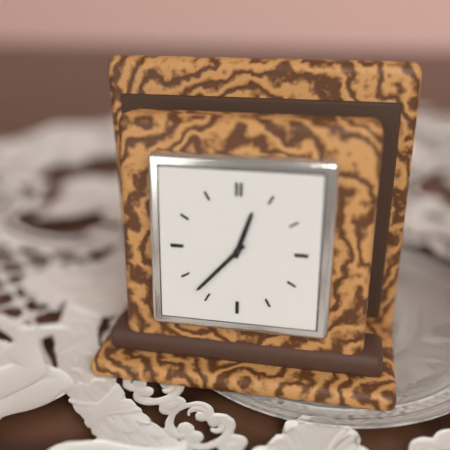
12:37
